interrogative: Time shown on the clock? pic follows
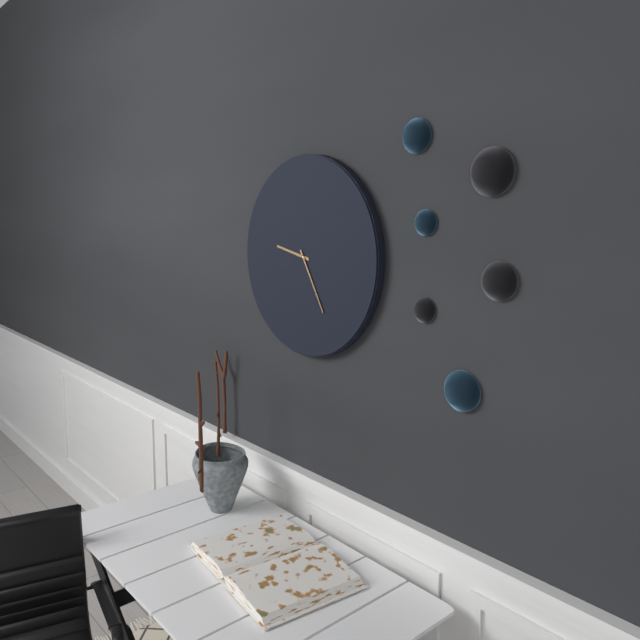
9:25
